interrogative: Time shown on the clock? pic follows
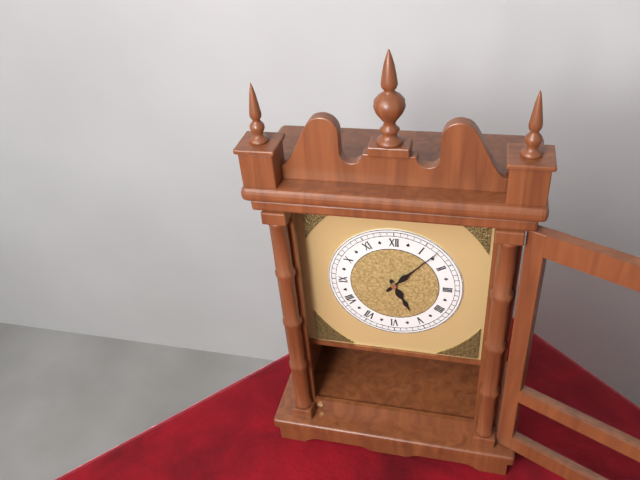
5:07
